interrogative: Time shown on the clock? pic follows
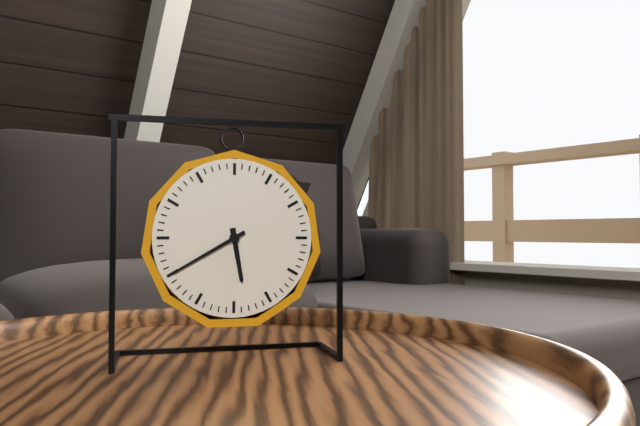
5:40
